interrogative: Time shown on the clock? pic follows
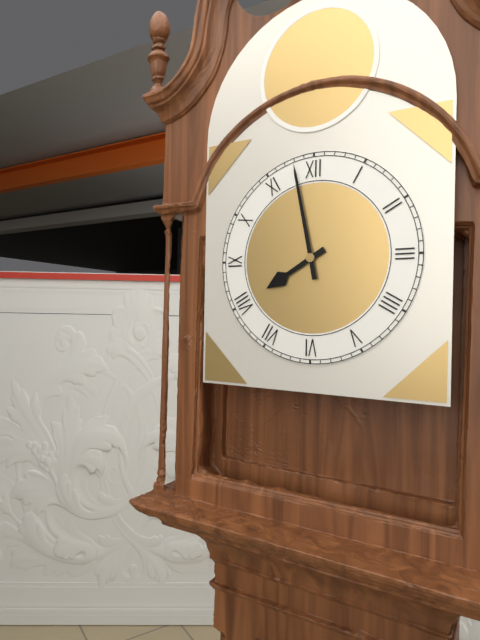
7:58
